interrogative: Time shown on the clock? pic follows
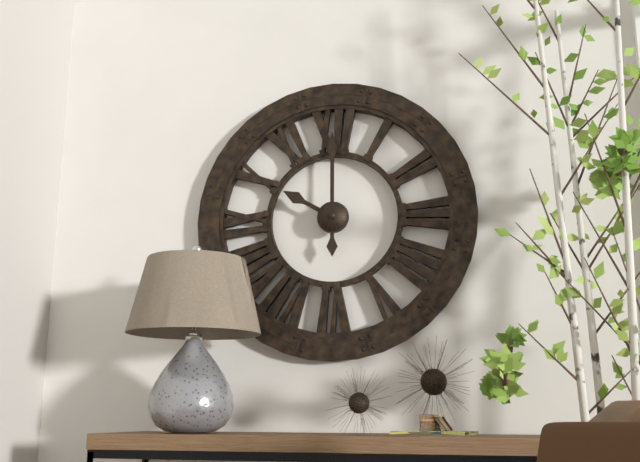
10:00
